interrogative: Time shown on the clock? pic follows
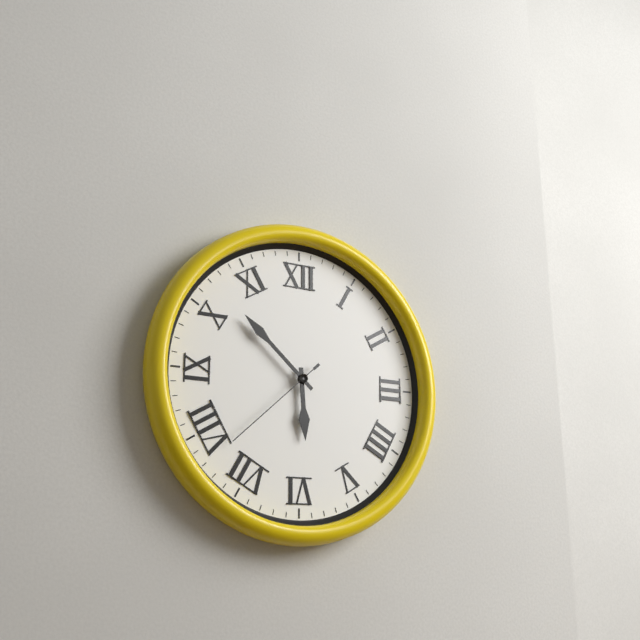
5:52:38
